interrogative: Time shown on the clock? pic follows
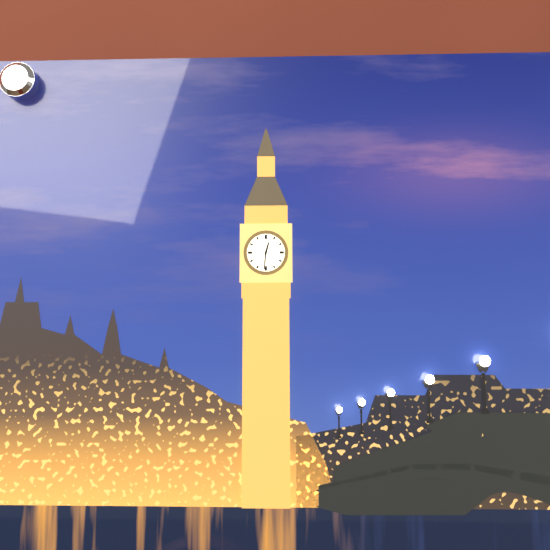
12:31
